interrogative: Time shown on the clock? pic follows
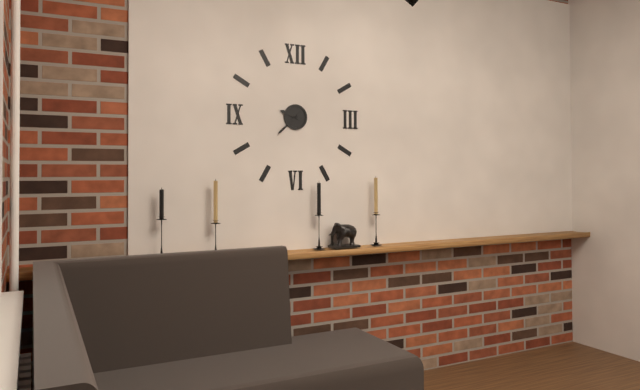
9:38
